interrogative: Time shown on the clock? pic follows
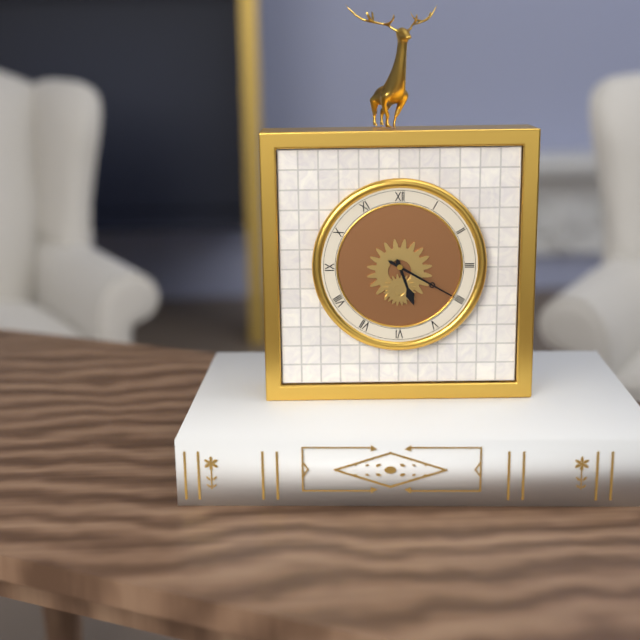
5:20
